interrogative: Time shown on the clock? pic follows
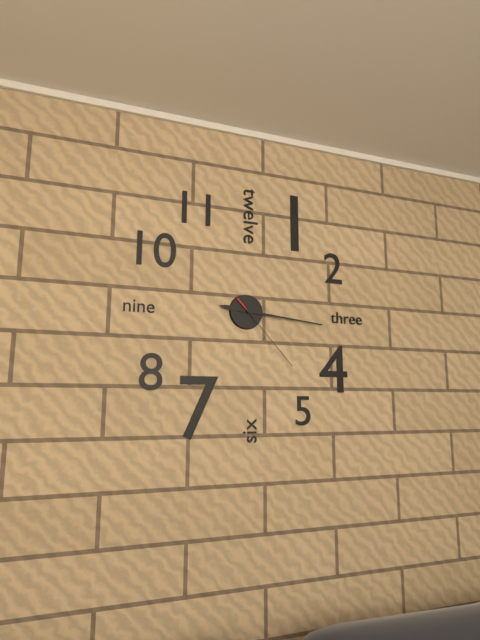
9:16:23
